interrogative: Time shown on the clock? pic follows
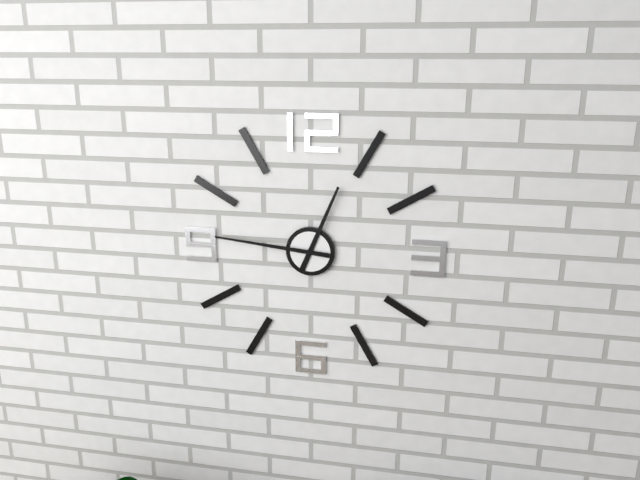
12:46
